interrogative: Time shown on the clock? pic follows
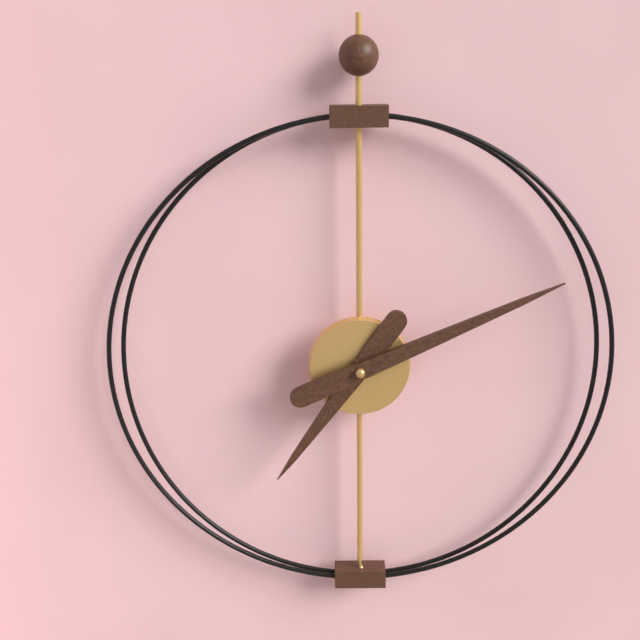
7:11
